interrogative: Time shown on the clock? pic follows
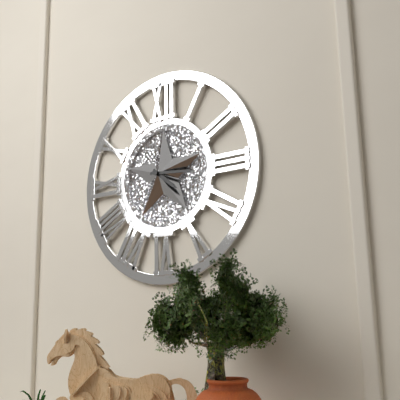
4:16
